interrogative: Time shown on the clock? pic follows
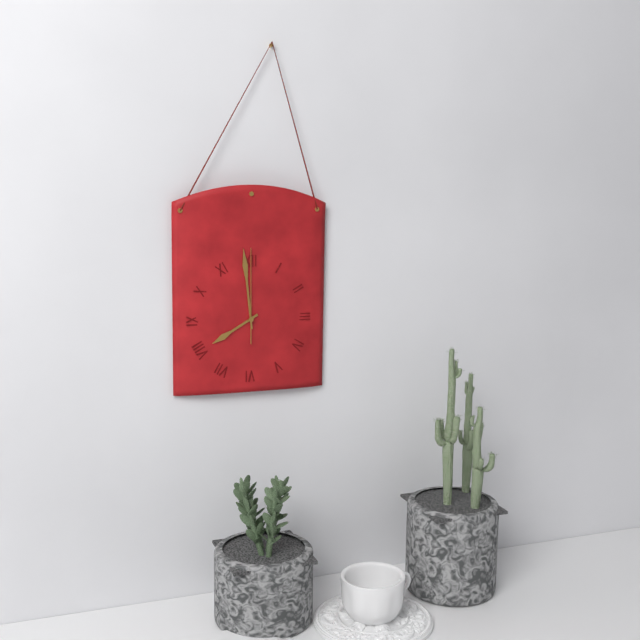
7:59:00
